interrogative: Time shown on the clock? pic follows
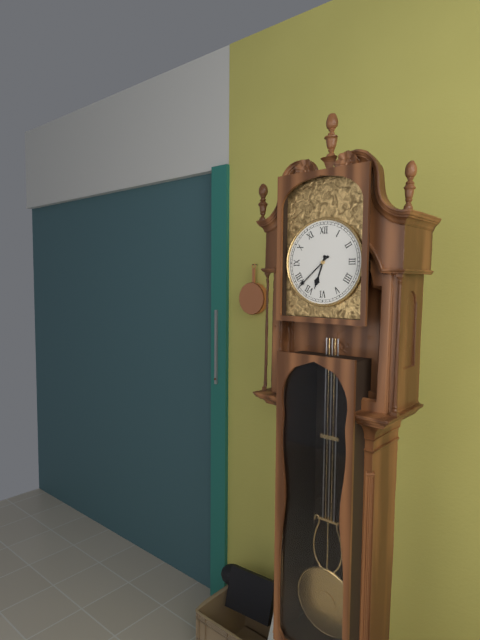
6:38
